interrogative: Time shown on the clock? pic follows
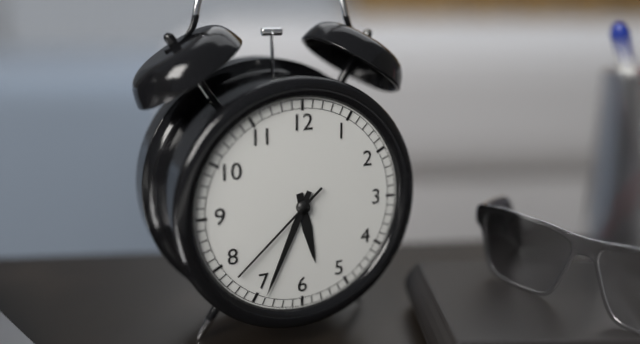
5:34:38
